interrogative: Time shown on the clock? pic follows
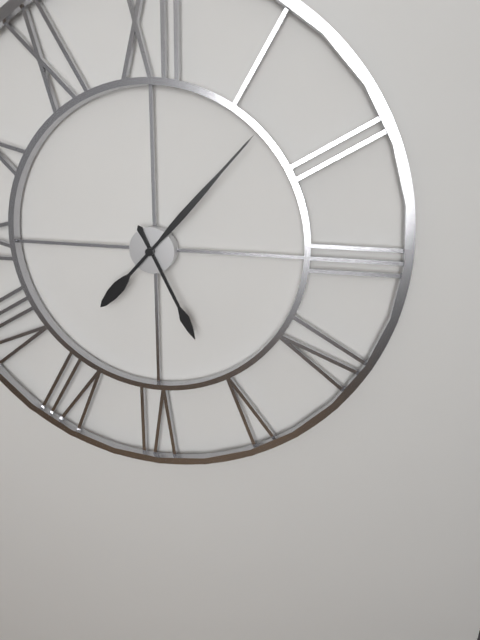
5:07
